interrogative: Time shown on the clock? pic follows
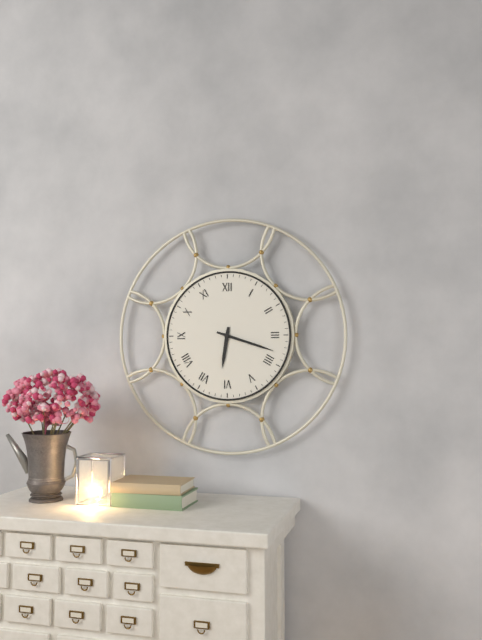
6:18
